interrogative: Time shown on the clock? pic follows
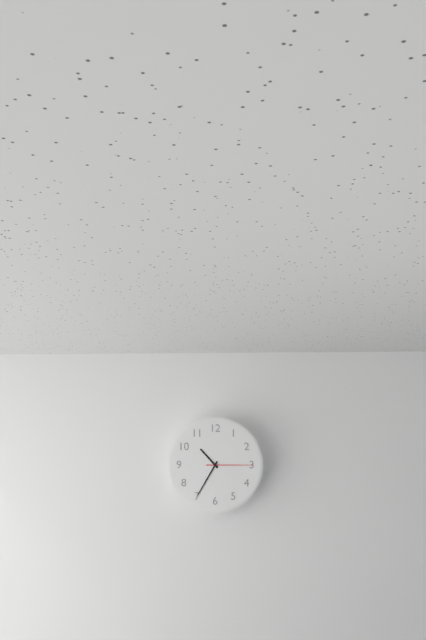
10:35
